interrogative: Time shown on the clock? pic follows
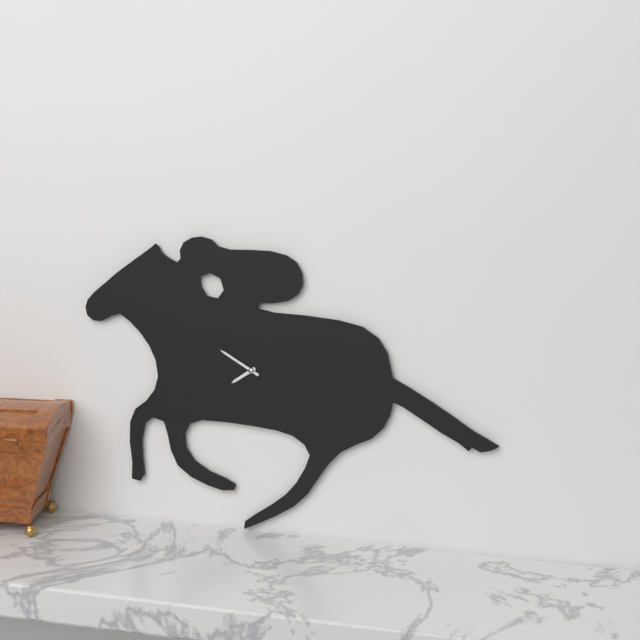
7:50
